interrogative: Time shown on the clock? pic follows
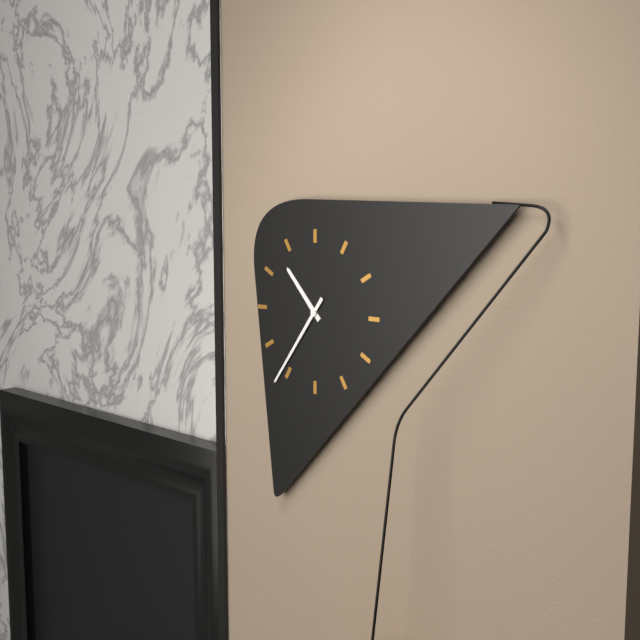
10:36
